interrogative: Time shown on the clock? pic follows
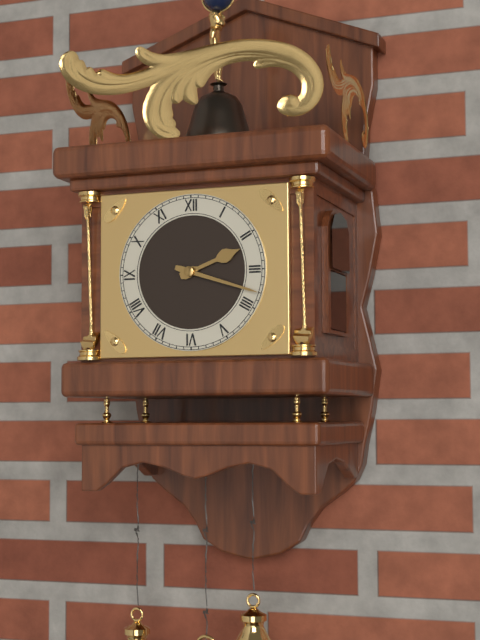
2:18
